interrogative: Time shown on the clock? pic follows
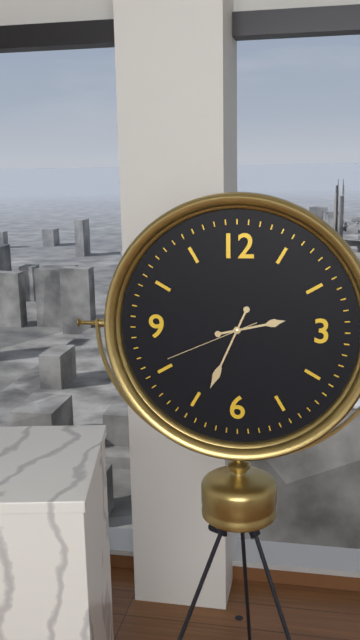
2:34:41
